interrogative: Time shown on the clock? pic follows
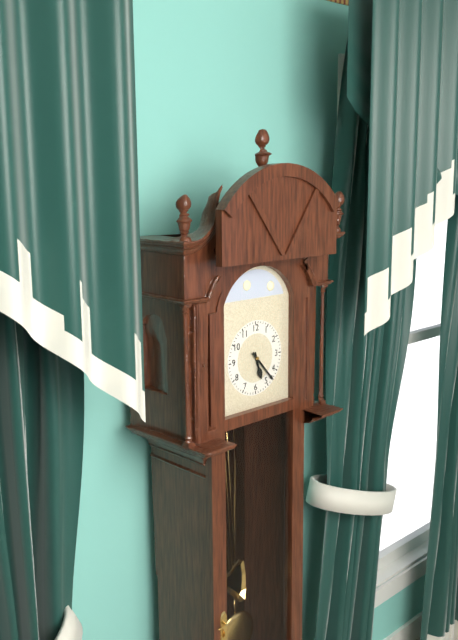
5:23
